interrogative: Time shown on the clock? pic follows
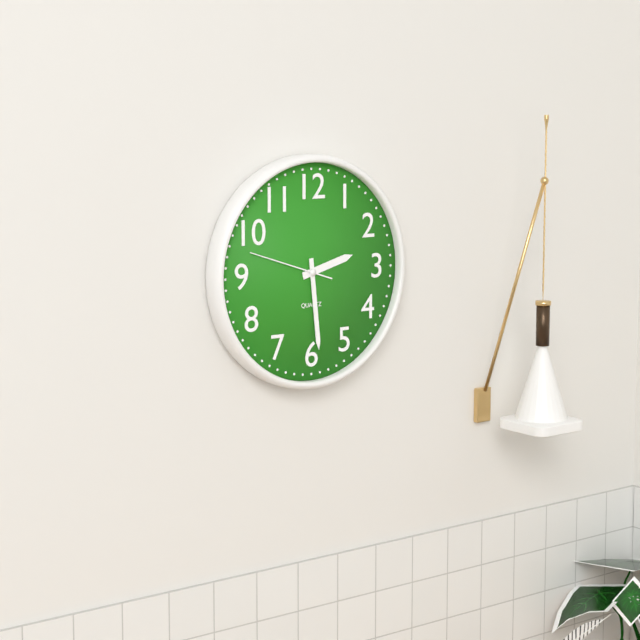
2:29:48
